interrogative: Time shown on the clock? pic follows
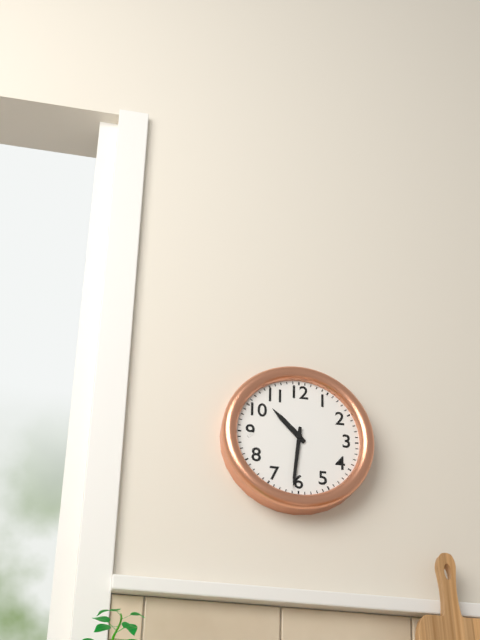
10:31
